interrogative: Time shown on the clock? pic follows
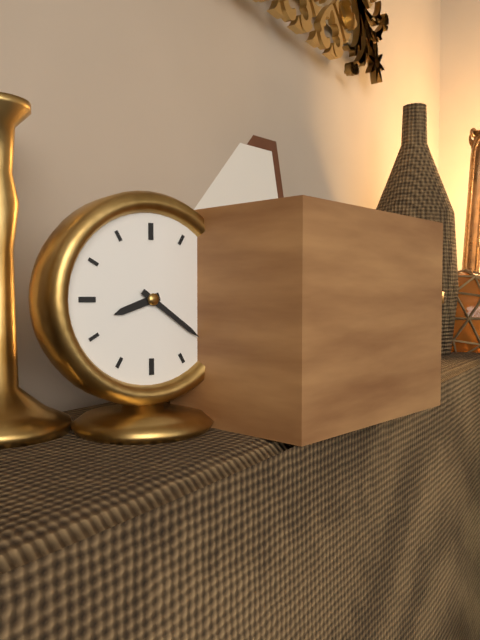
8:21
